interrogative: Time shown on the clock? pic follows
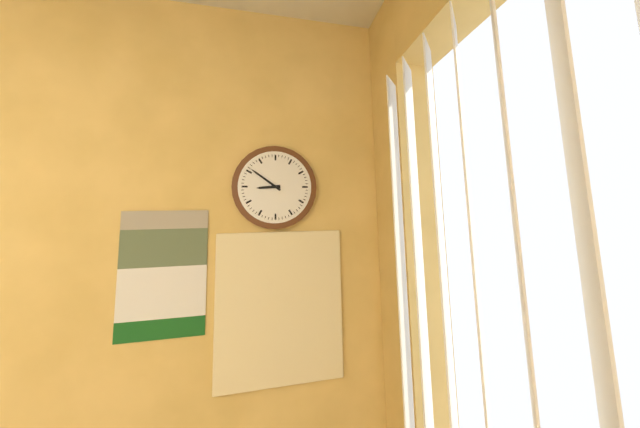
8:51
